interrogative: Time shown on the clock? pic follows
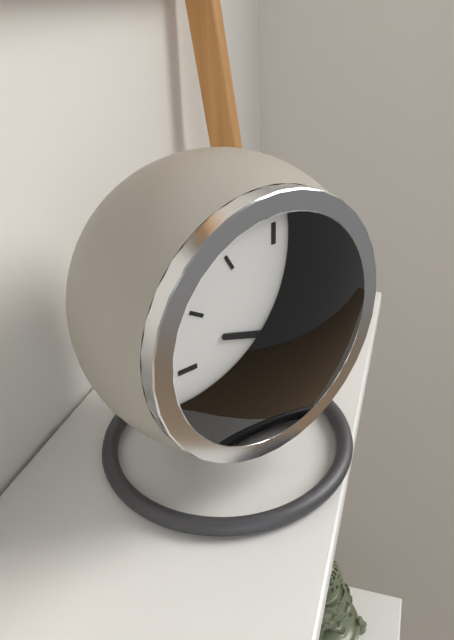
9:34:28
